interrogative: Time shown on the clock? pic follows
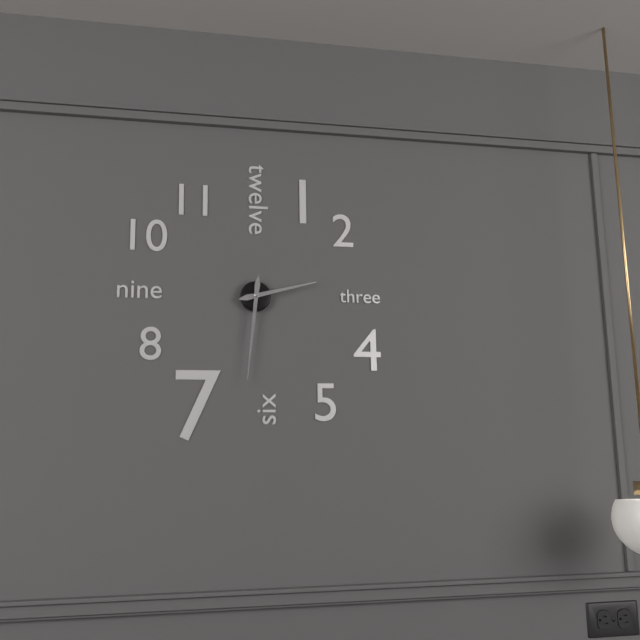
2:31
